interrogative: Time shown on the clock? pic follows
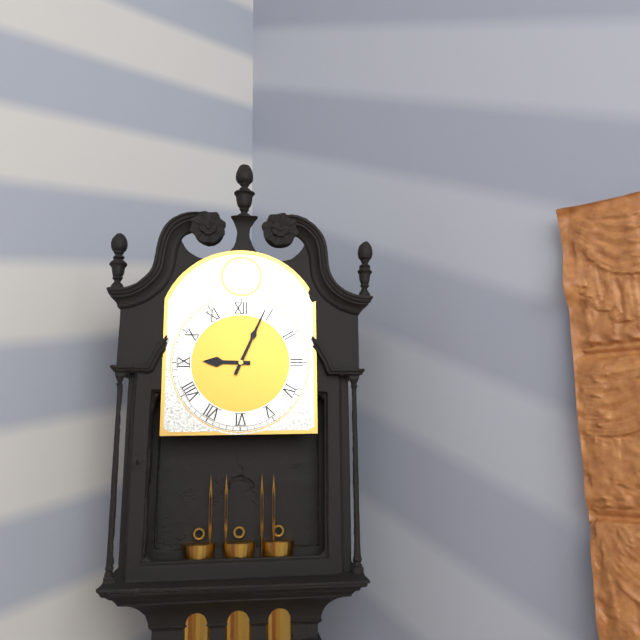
9:04
